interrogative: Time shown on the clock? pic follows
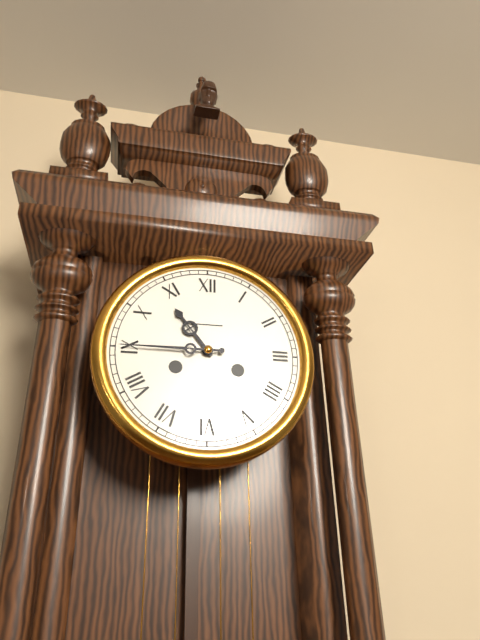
10:45
